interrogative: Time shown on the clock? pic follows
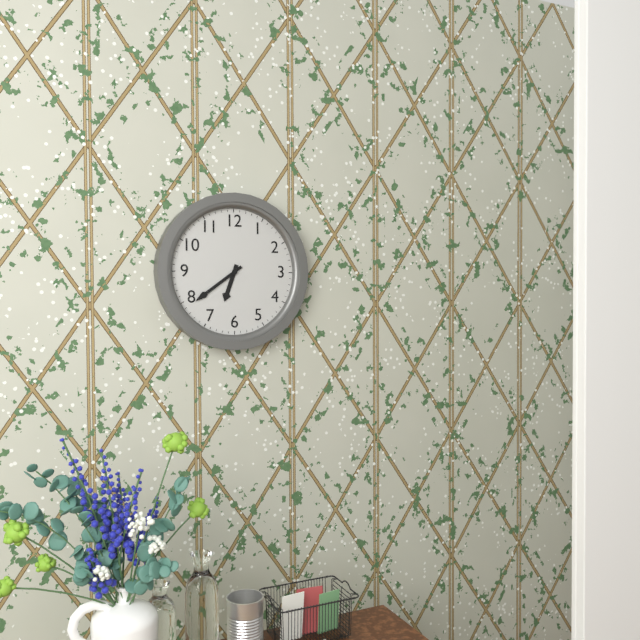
6:39
